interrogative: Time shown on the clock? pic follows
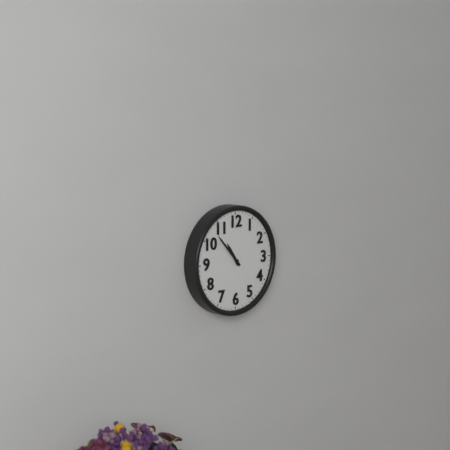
10:53
